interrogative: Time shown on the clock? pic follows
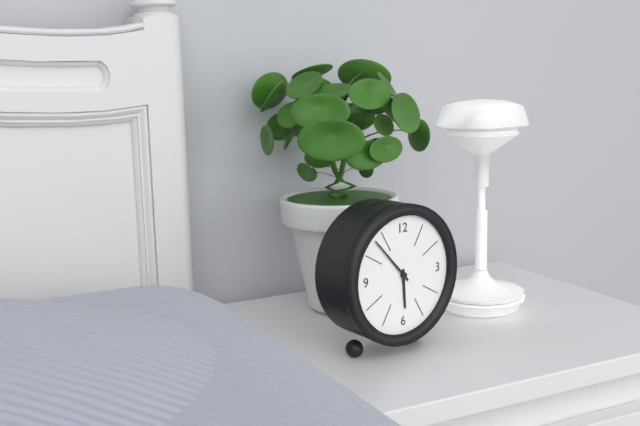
5:53
